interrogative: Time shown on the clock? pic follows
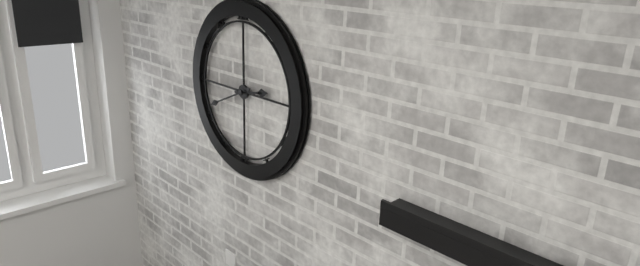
2:41
